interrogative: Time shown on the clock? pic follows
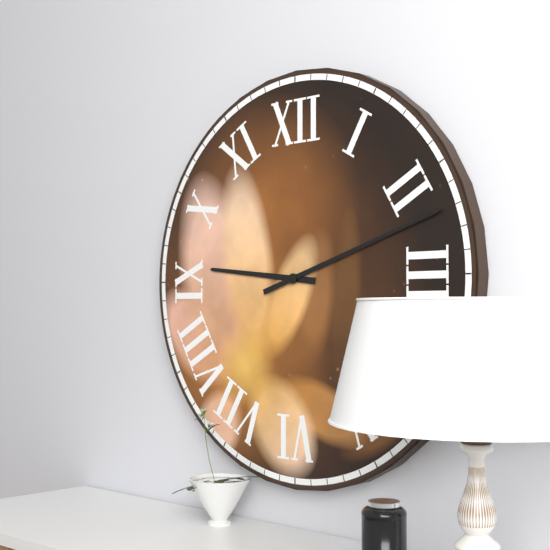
9:12
